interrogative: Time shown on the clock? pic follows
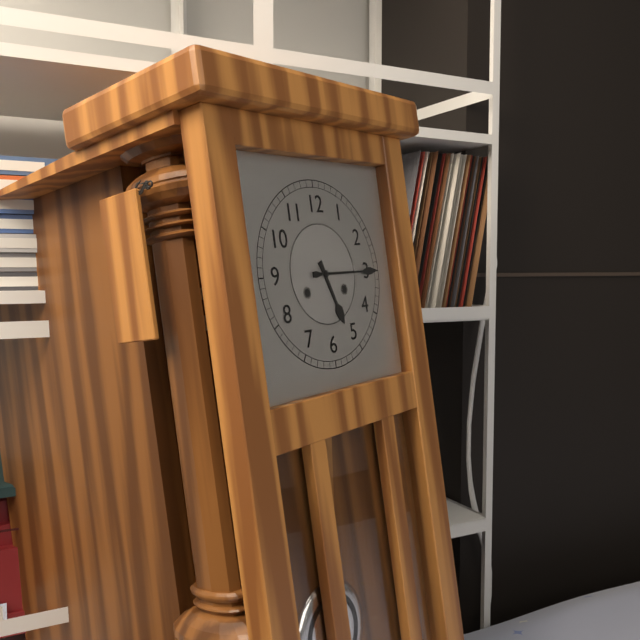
5:15
